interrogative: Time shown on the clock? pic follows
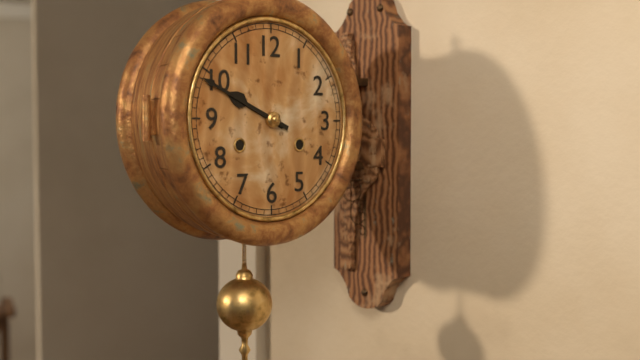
9:49
